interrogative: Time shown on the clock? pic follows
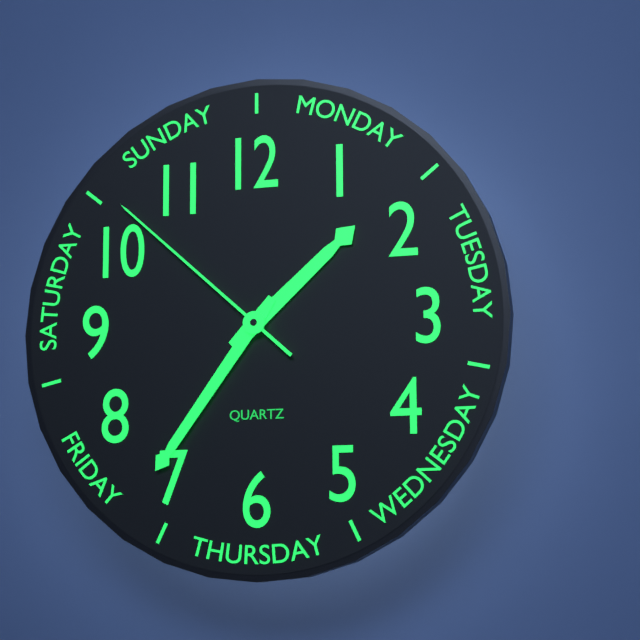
1:36:52
